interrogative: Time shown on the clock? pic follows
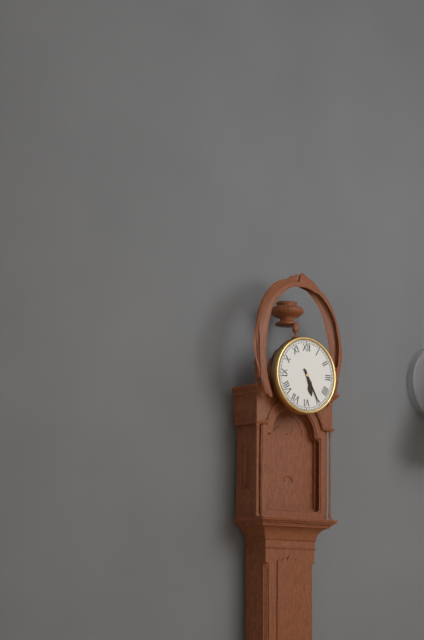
5:25
